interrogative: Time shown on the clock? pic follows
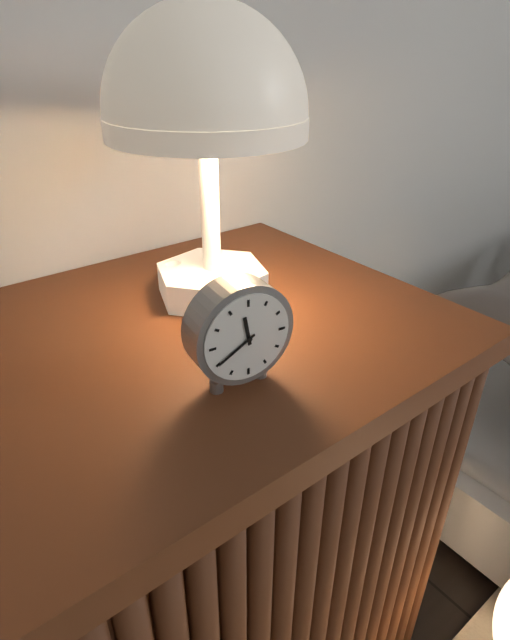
11:40
